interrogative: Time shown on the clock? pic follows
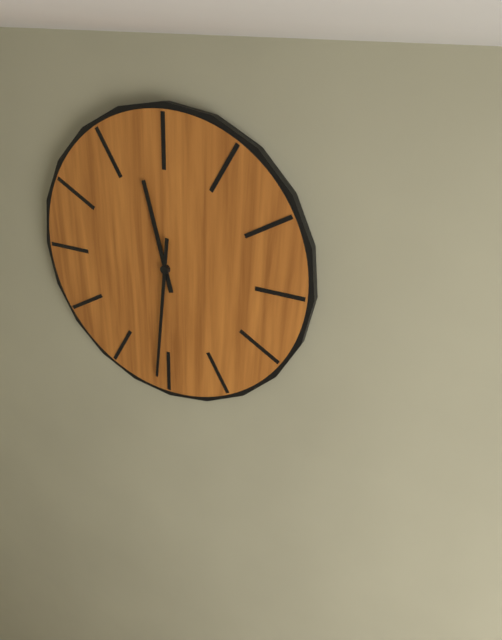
11:31
